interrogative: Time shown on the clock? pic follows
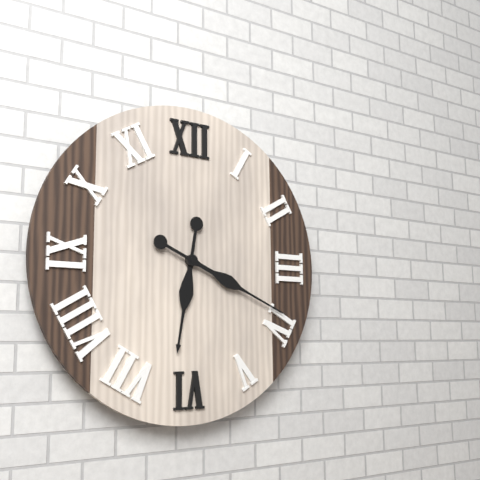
6:19
